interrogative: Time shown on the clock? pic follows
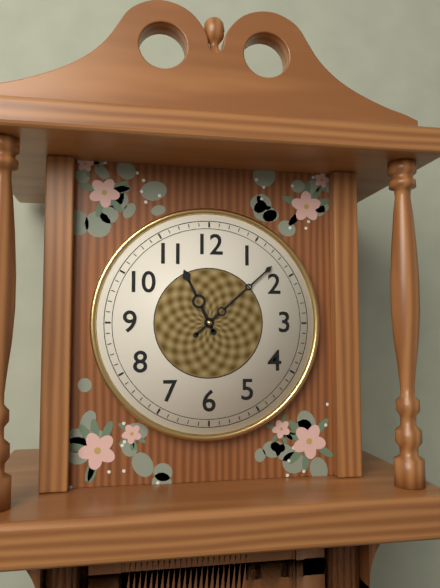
11:08
